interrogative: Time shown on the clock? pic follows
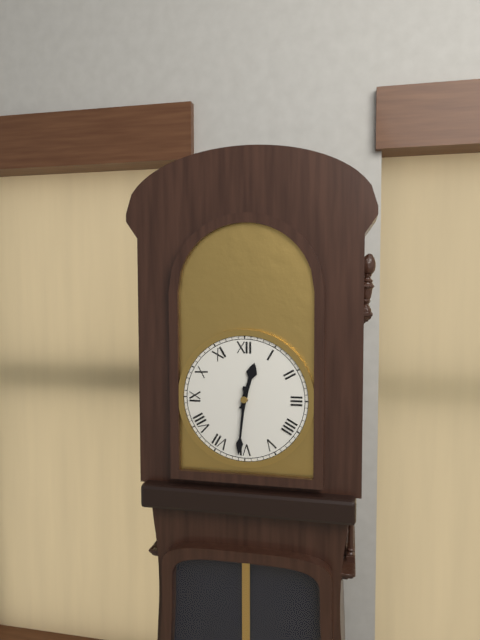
12:31
